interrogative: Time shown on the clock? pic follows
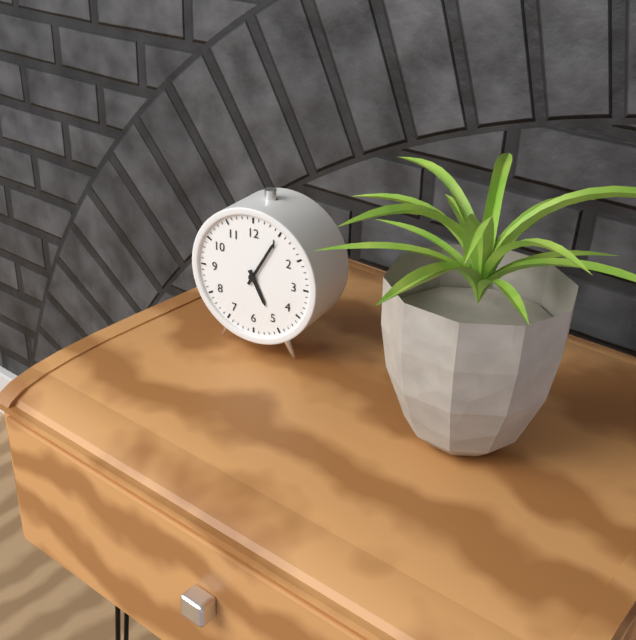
5:05
